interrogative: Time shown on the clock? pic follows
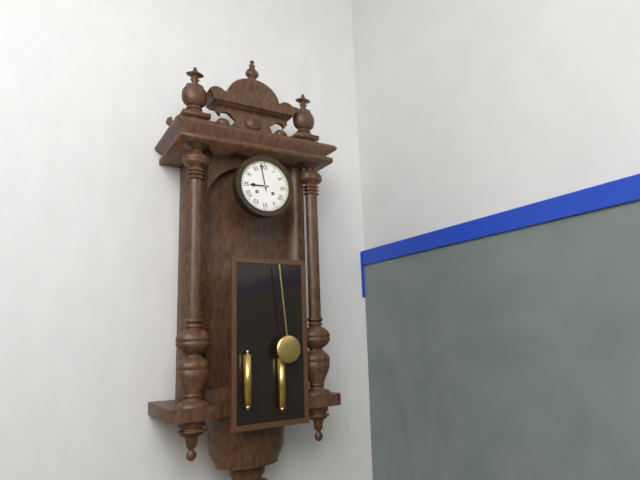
8:58
